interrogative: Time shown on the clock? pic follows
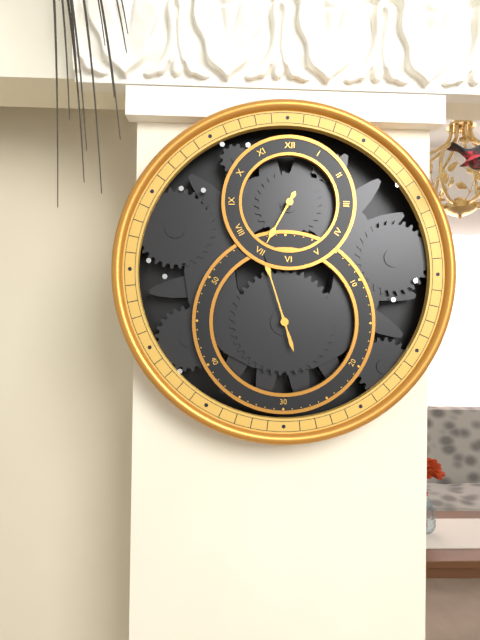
6:57
